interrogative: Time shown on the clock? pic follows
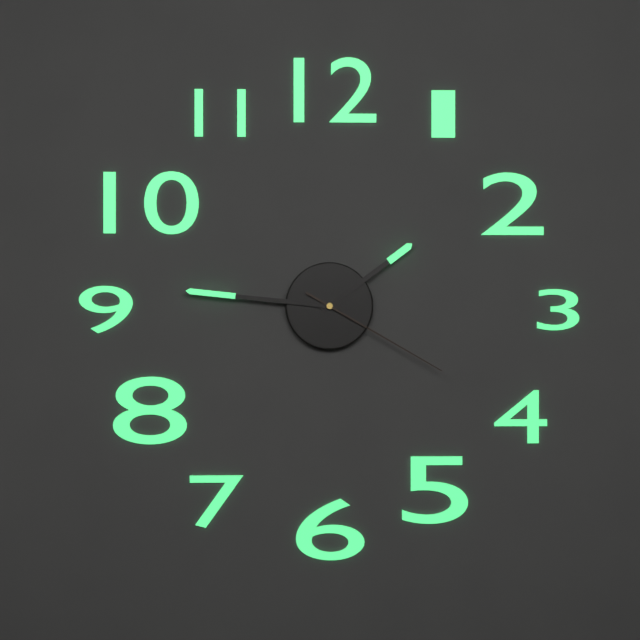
1:46:20
